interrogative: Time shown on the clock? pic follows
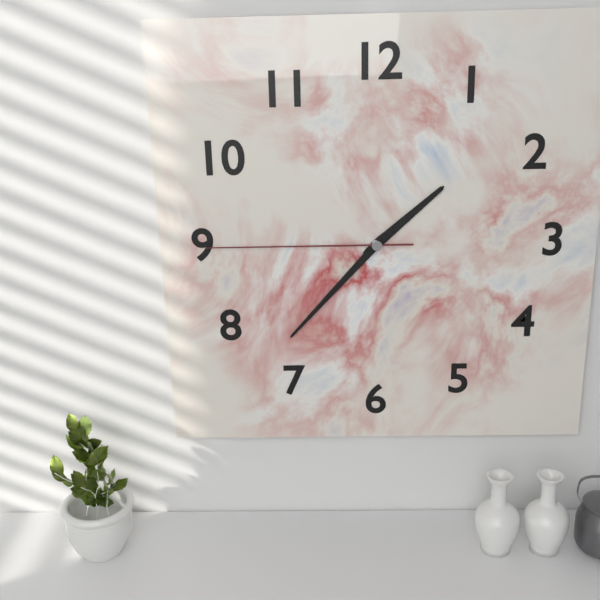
1:37:45
